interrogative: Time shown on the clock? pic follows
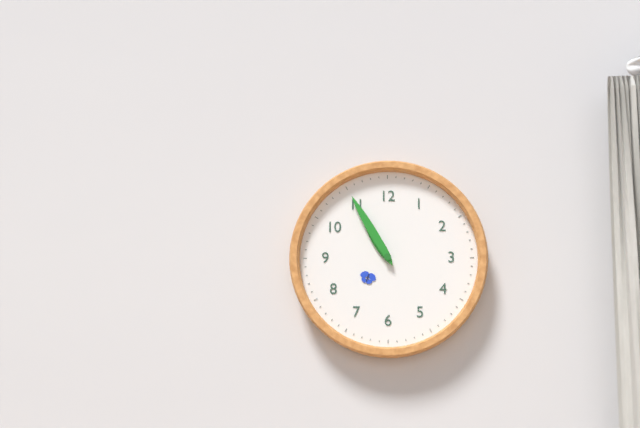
10:55
